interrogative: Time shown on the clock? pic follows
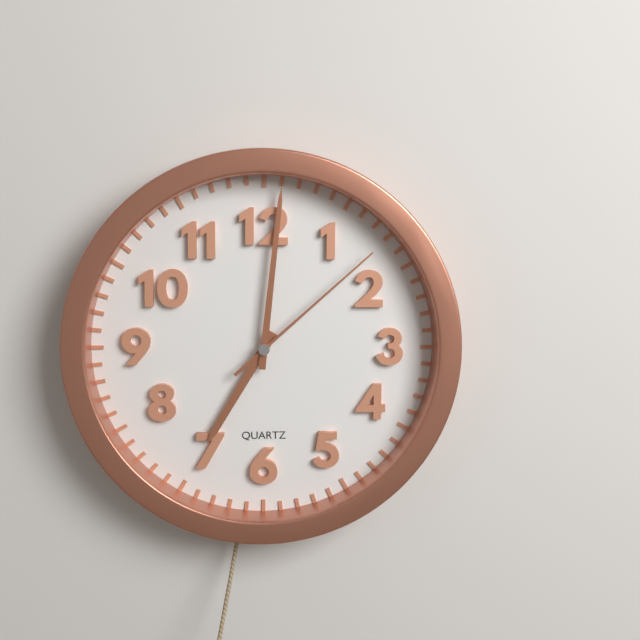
7:01:08
